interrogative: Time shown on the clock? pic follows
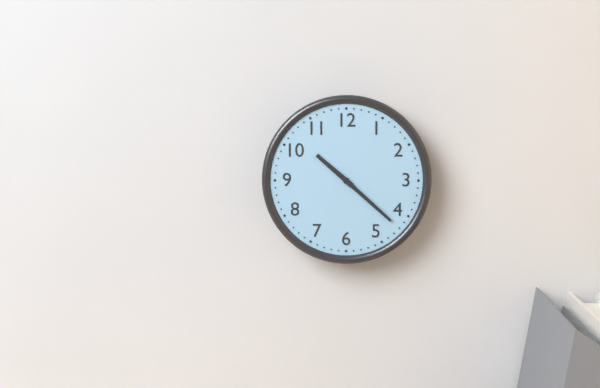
10:22
